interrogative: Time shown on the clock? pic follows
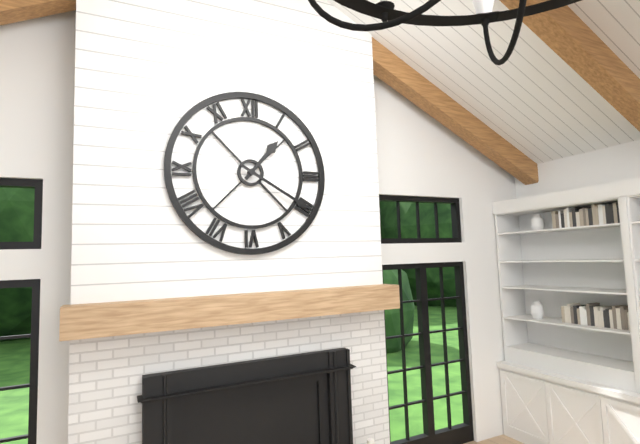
1:20
